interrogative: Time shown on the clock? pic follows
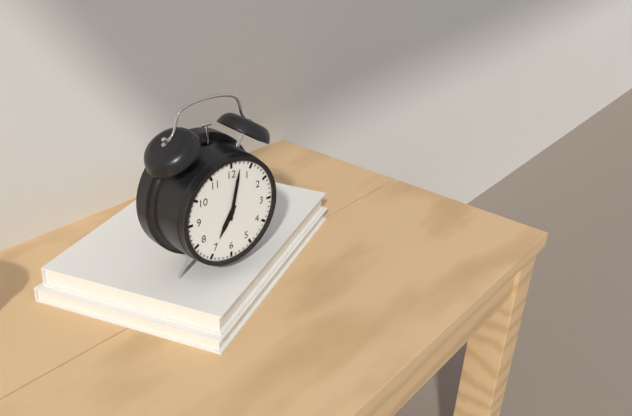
7:02
